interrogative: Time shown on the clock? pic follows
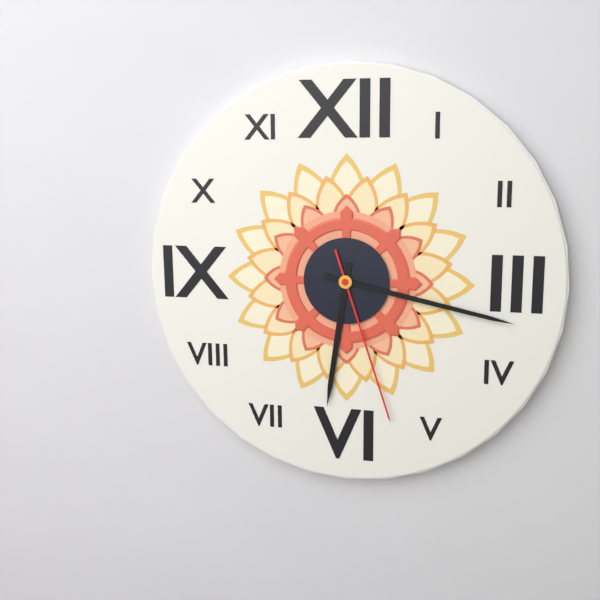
6:17:27
